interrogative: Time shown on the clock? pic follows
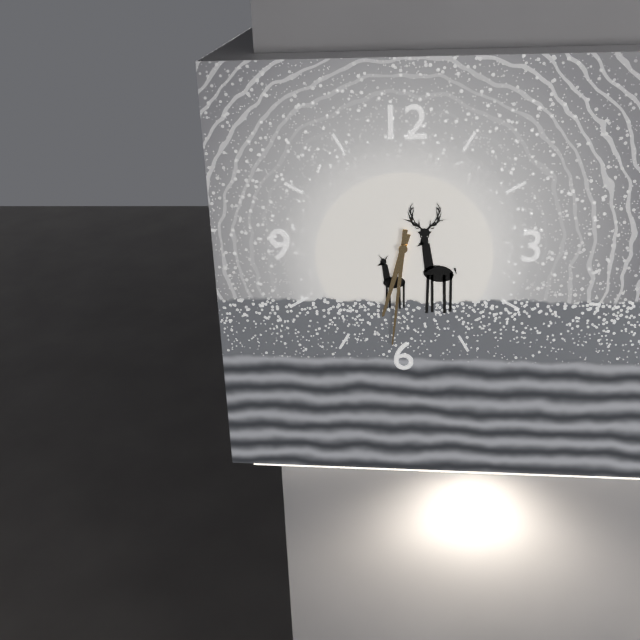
6:31
